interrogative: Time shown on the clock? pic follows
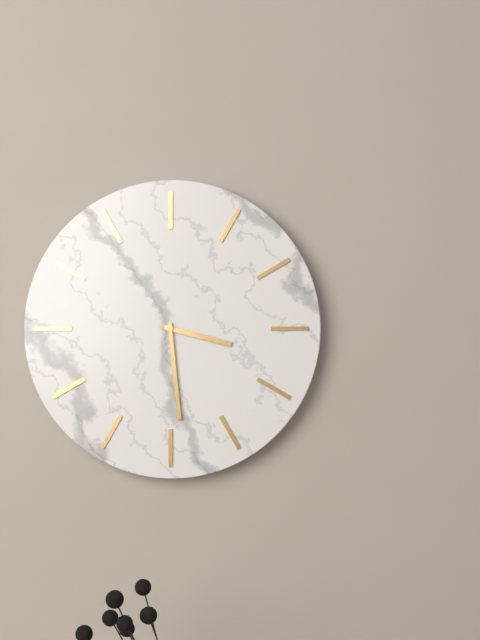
3:29
